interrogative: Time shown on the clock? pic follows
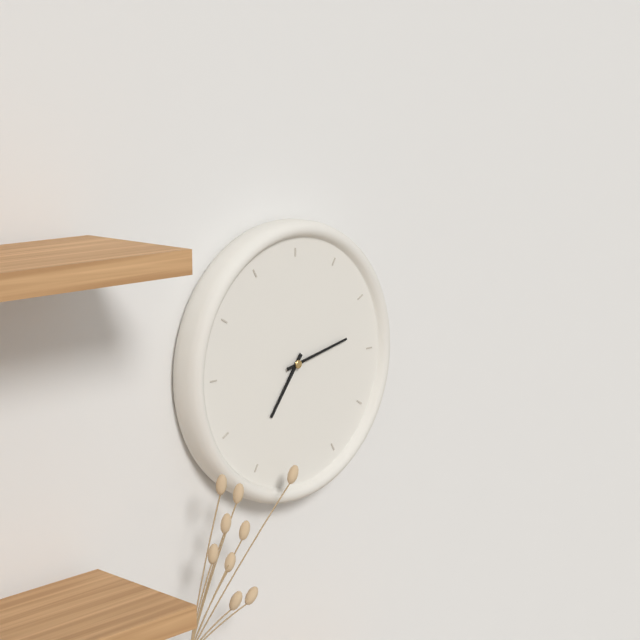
7:13
